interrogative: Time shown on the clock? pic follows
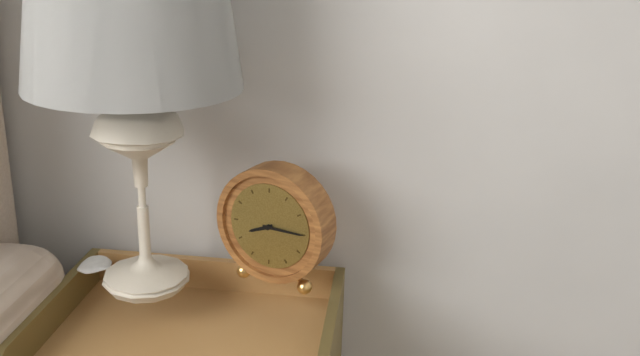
8:15
